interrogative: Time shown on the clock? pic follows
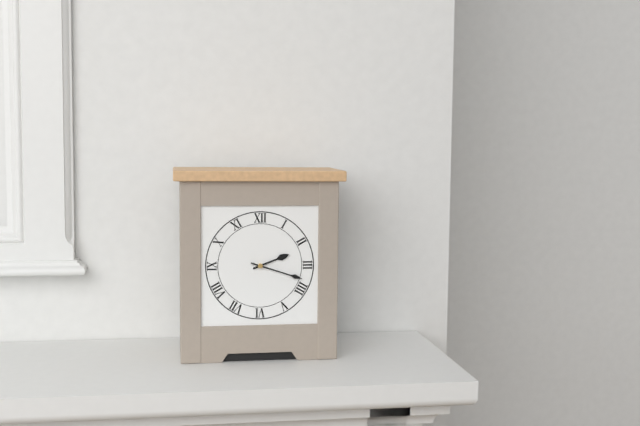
2:18
